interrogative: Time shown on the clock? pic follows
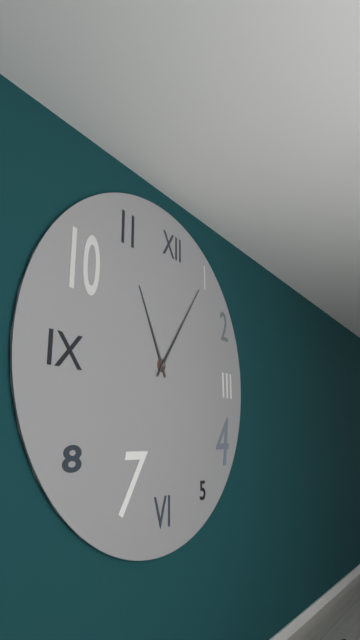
11:06
